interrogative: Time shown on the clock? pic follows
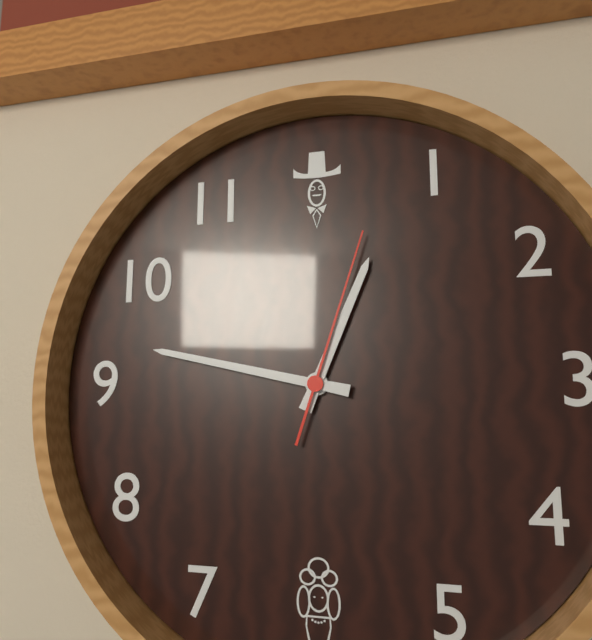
12:47:03
